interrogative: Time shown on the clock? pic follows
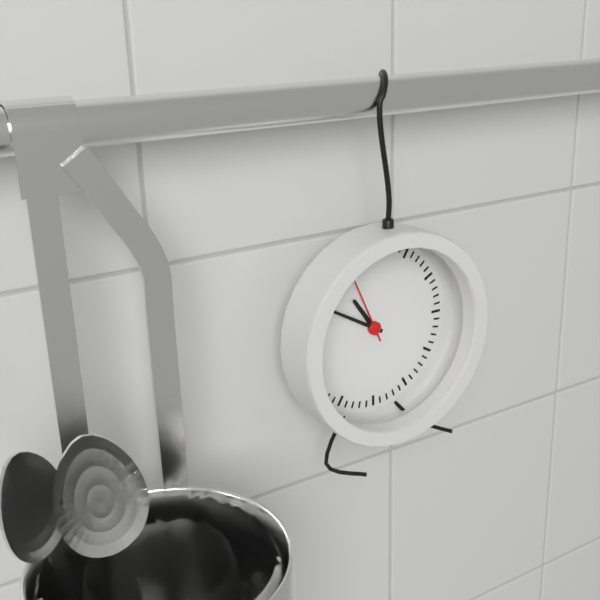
10:50:56
